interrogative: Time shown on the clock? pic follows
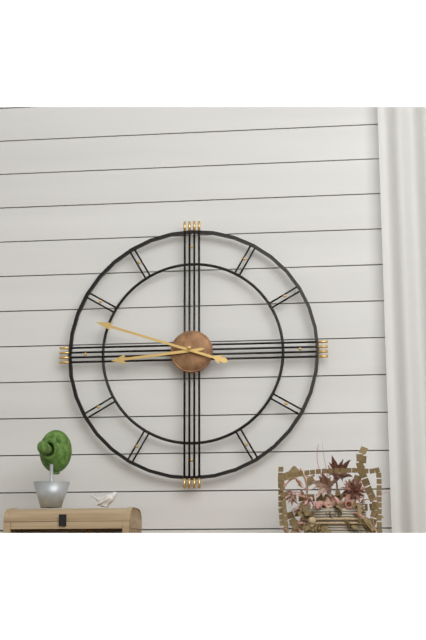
8:48
